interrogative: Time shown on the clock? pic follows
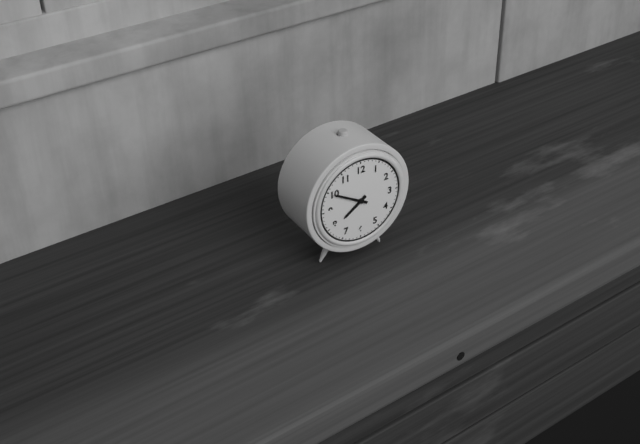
7:50
